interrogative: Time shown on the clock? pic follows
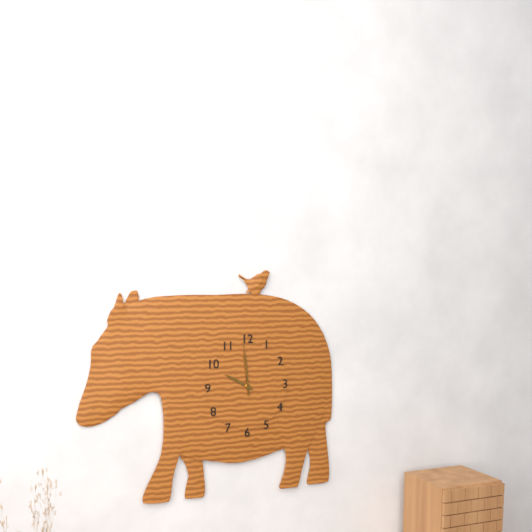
9:59:59
